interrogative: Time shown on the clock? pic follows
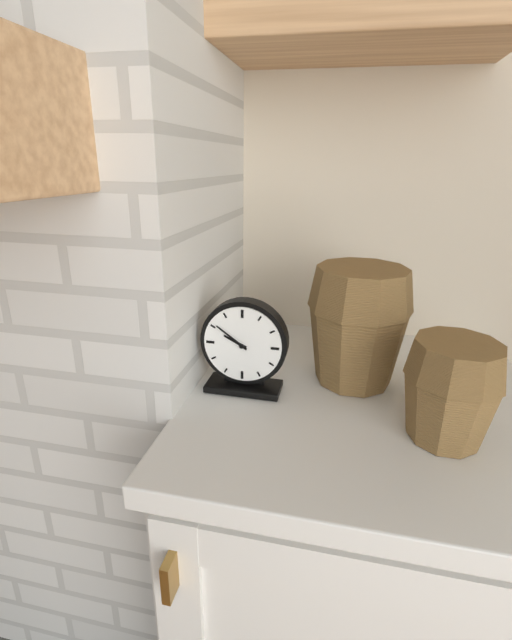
9:51
